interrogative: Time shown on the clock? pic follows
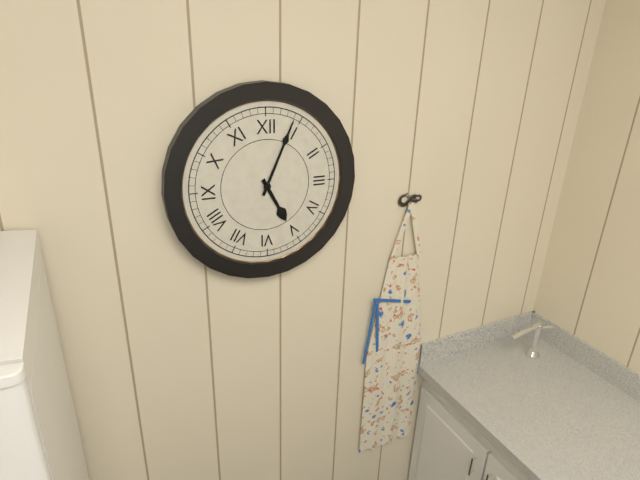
5:04
